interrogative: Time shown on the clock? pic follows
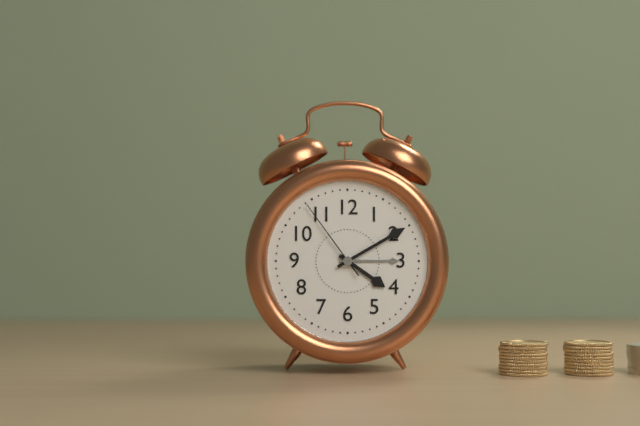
4:10:54
